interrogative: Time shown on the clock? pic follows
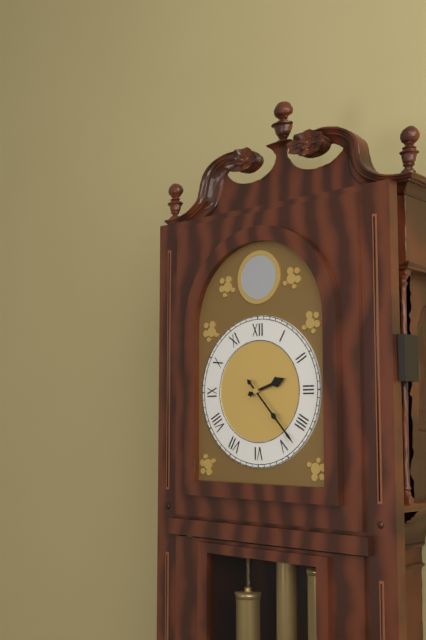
2:23
